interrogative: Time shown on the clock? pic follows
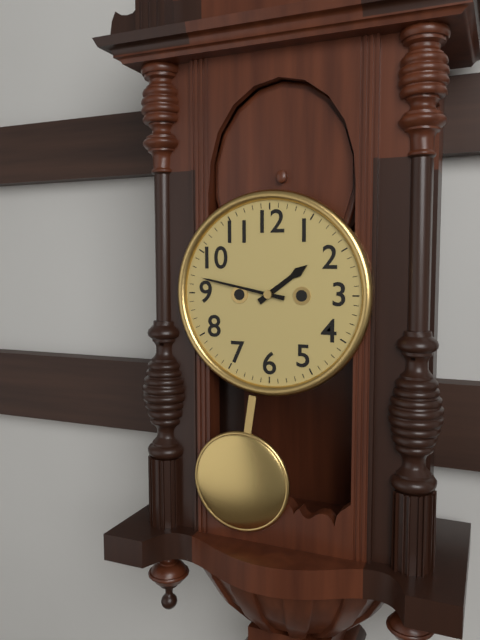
1:47
